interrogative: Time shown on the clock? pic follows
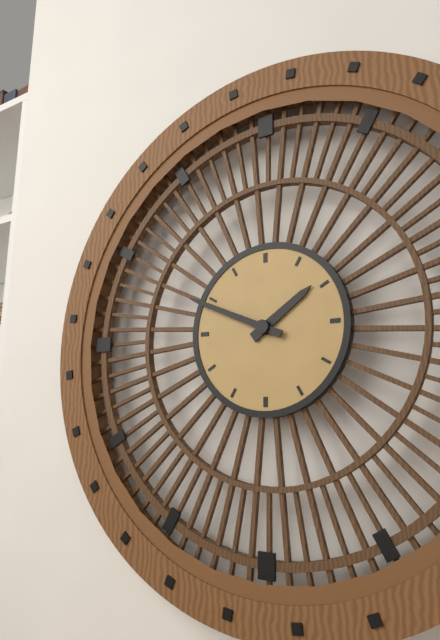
1:49
